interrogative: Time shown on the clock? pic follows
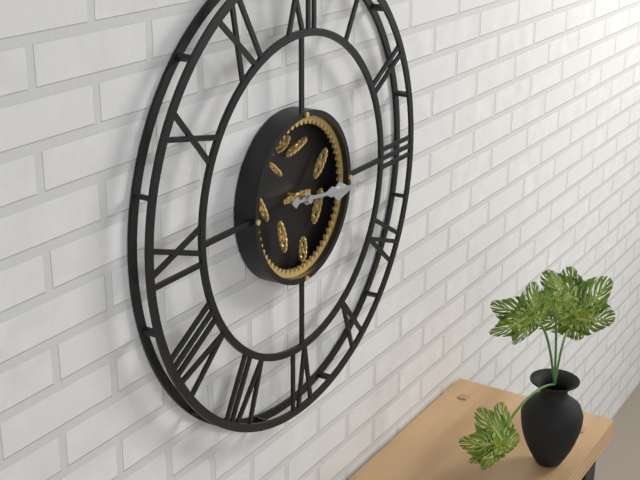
3:16
